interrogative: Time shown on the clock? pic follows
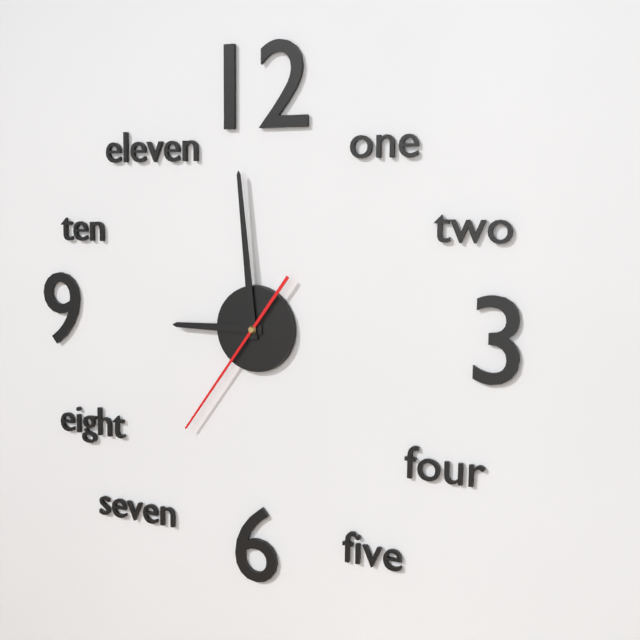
8:59:36
